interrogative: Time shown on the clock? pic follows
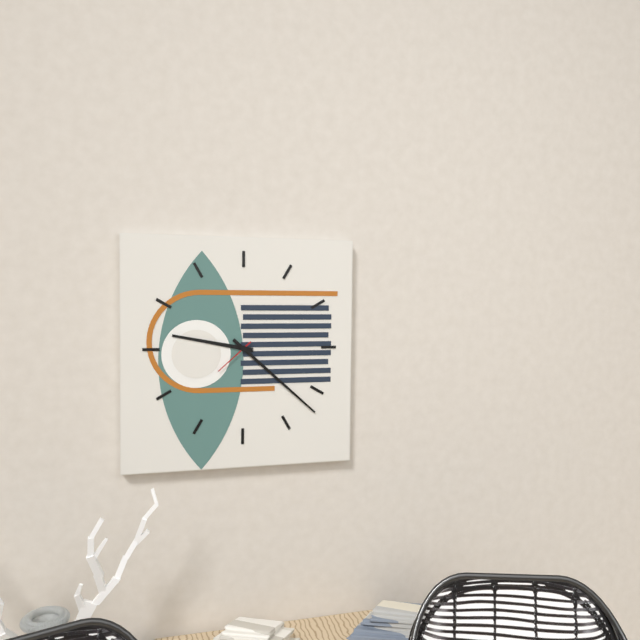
9:22
